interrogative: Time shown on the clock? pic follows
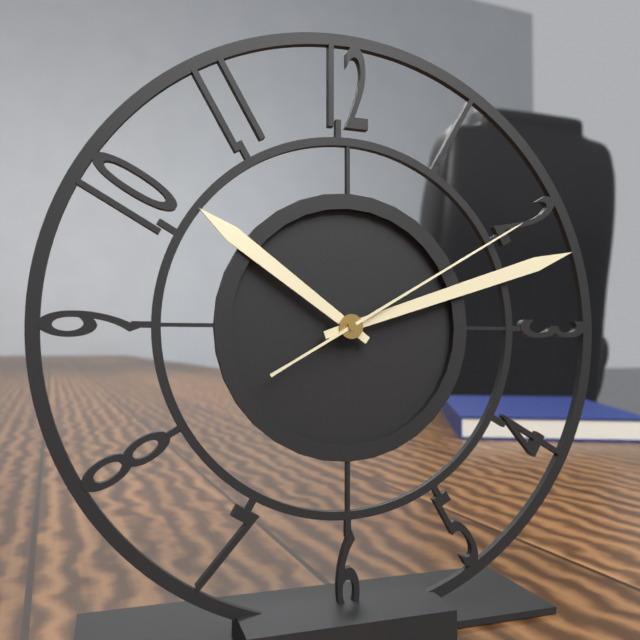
10:12:10
